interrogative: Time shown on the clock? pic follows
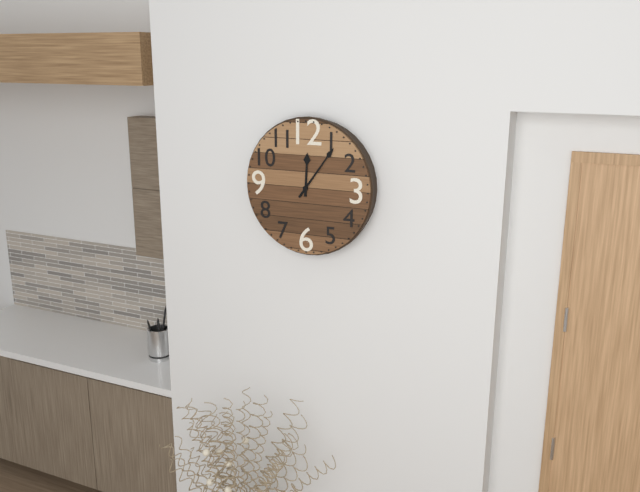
12:06
